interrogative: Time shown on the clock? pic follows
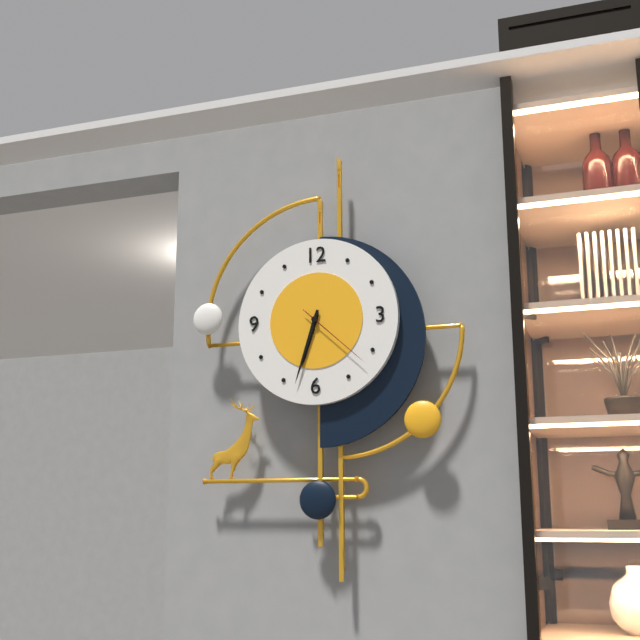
6:33:22
